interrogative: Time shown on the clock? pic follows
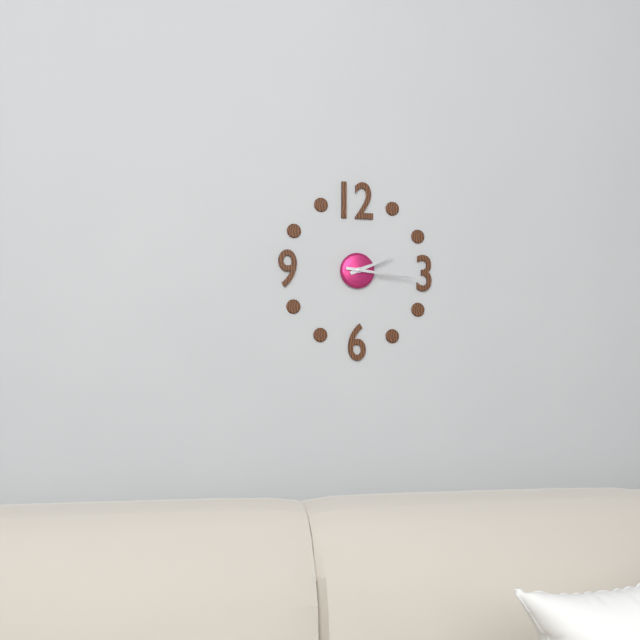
2:16
